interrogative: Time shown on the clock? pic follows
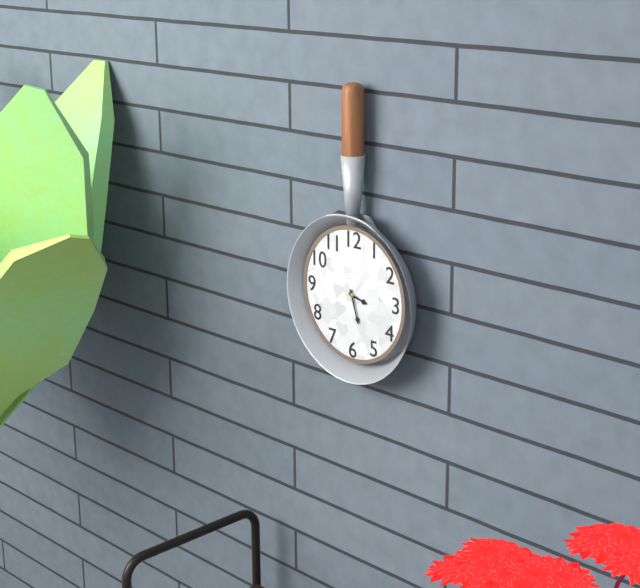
3:27
